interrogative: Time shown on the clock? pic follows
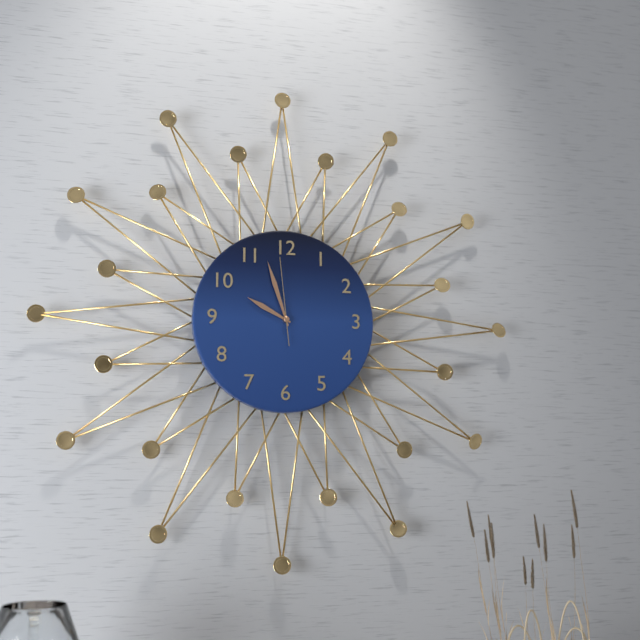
9:57:59
